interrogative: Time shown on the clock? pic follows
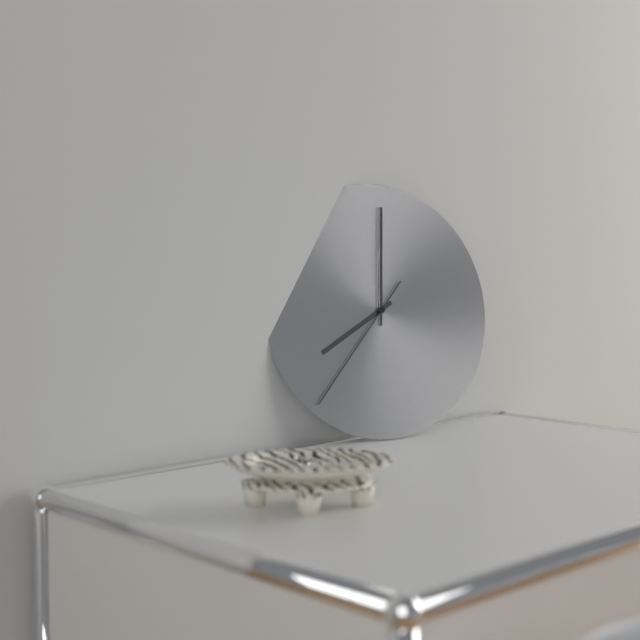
8:01:37
